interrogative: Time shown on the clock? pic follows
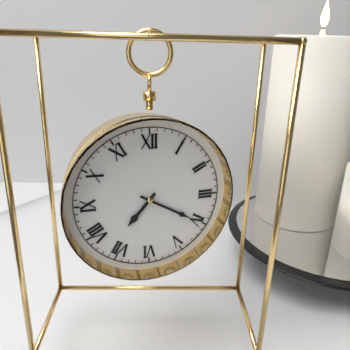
7:20
